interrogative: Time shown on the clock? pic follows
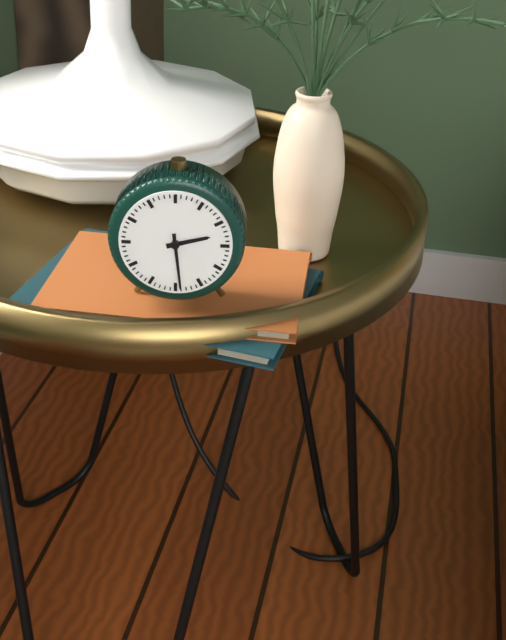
2:29
